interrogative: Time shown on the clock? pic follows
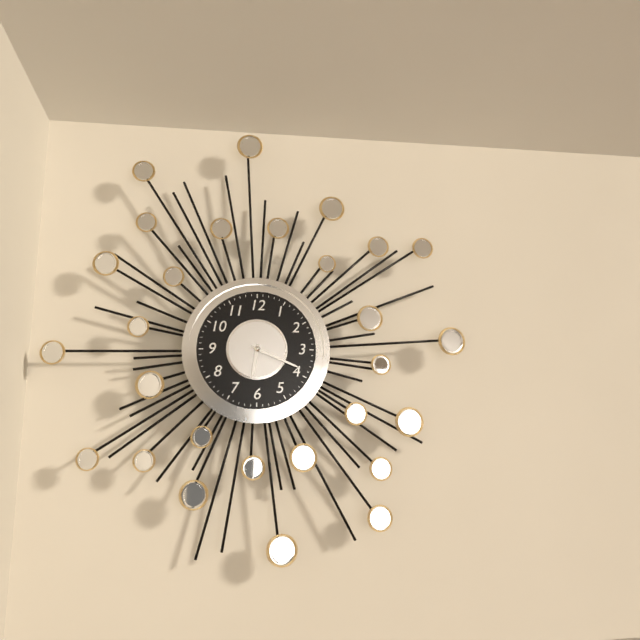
6:19
